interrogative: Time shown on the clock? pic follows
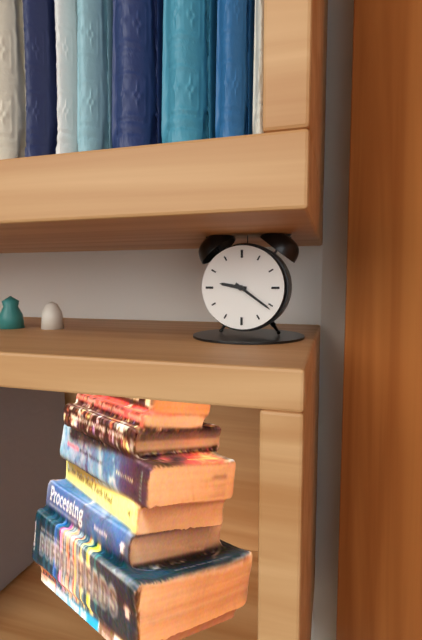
9:21
